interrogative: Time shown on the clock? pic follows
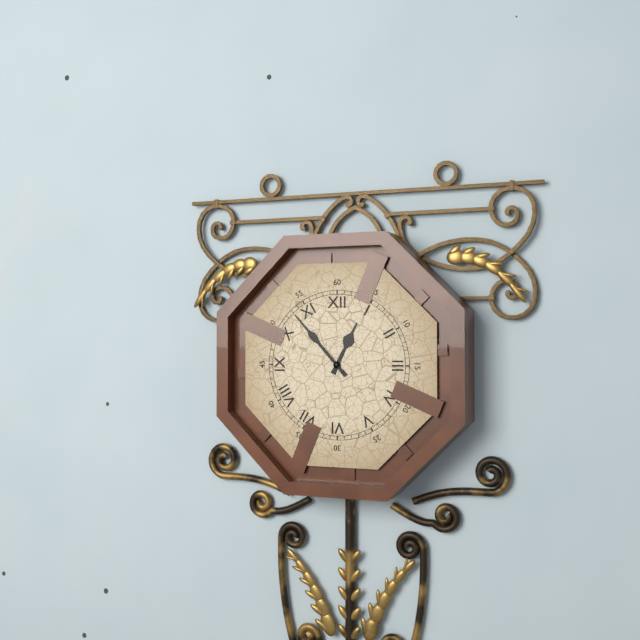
12:53
